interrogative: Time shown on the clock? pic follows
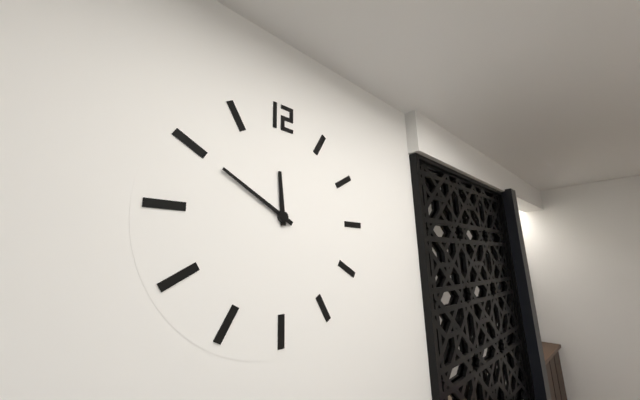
11:50
